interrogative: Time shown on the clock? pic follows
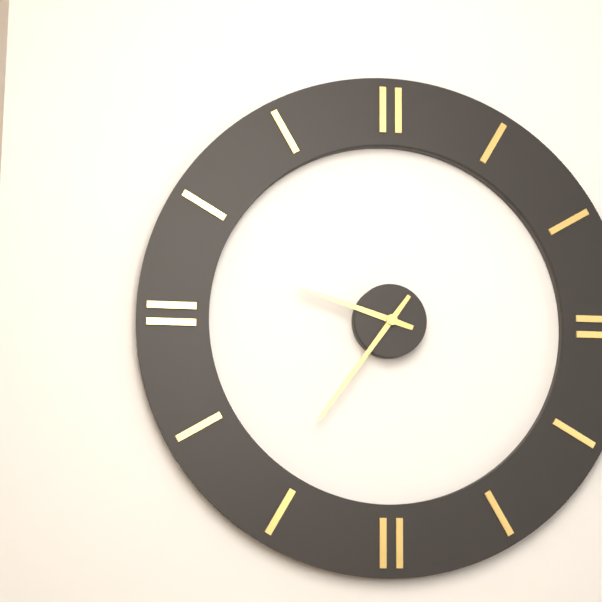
9:36
